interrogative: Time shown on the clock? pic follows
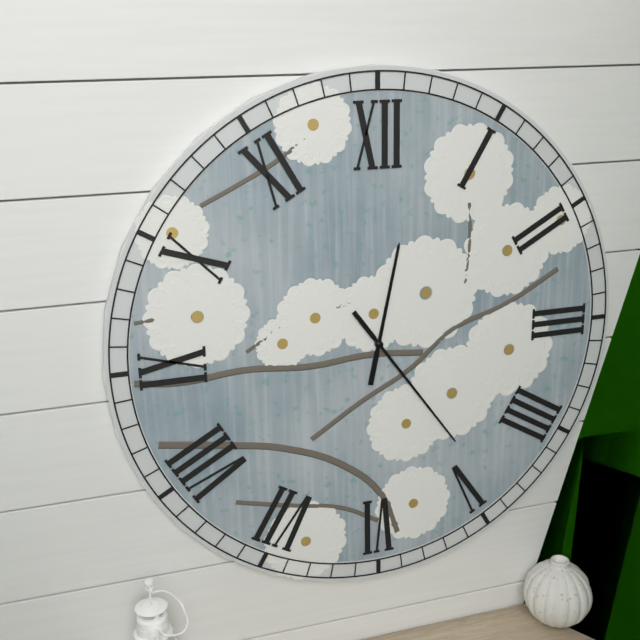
12:24
